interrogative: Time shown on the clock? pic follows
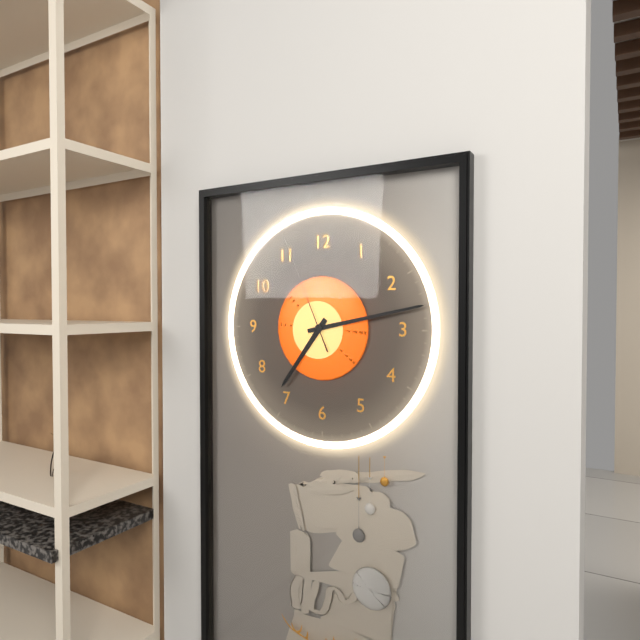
7:13:56
